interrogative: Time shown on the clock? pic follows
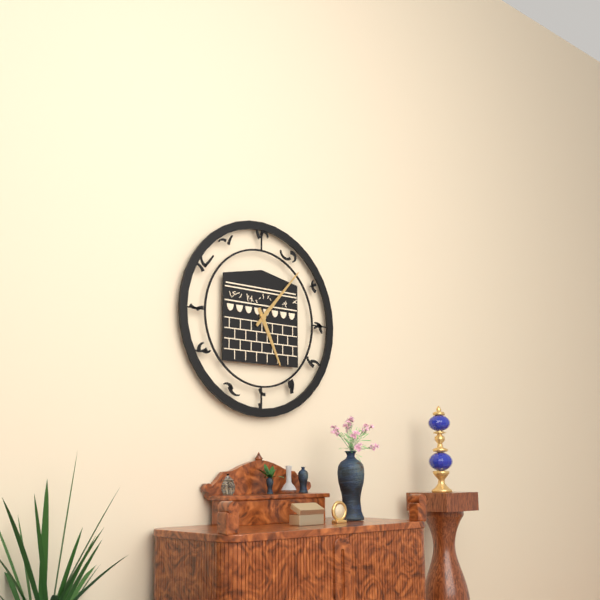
5:07
